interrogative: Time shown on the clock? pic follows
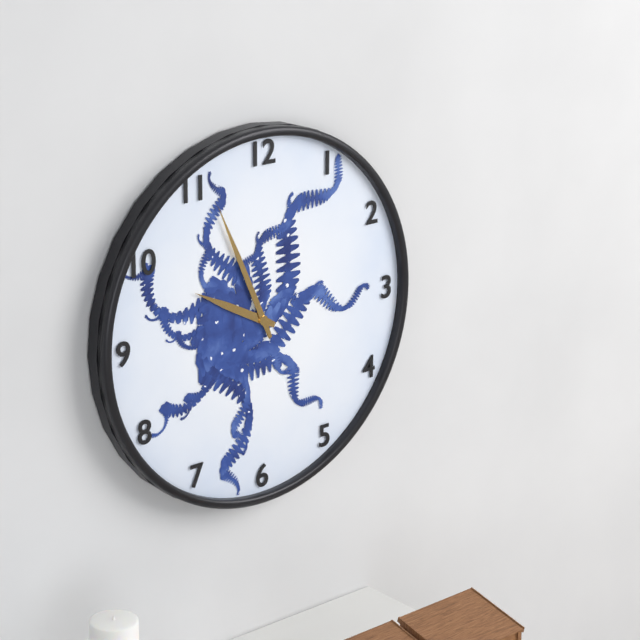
9:56
